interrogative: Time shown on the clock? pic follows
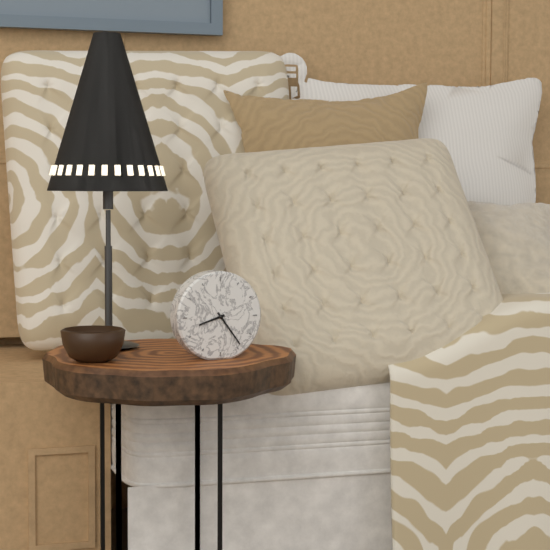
8:24
